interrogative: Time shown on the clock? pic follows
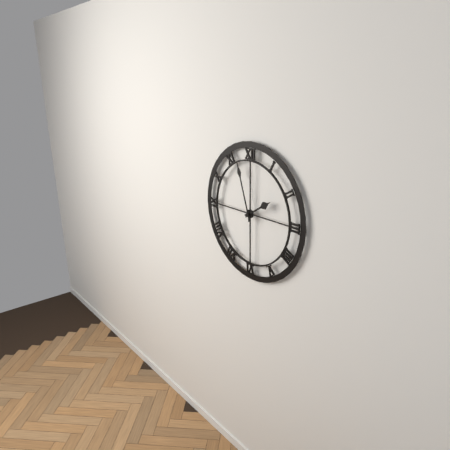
1:57
